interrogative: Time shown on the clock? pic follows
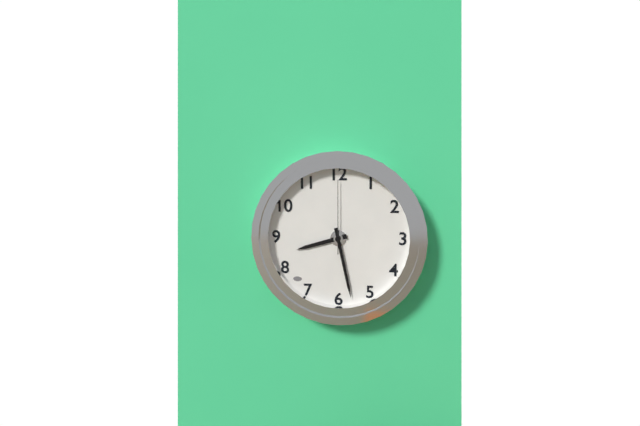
8:28:00
